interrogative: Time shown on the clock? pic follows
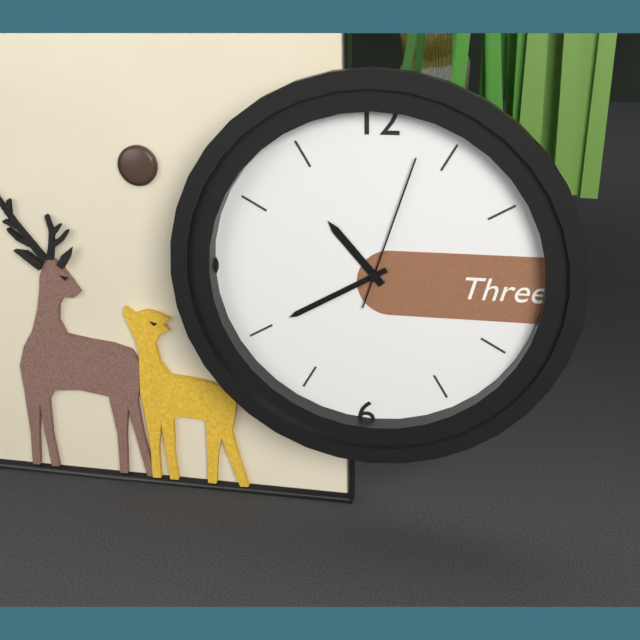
10:40:03
